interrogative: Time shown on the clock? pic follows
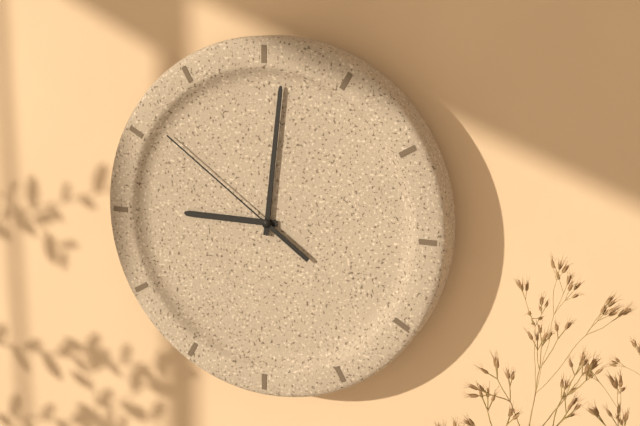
9:01:51
